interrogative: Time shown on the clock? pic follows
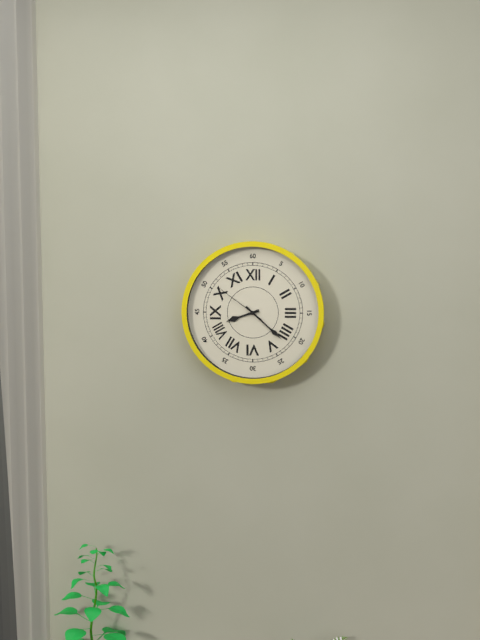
8:22:51
